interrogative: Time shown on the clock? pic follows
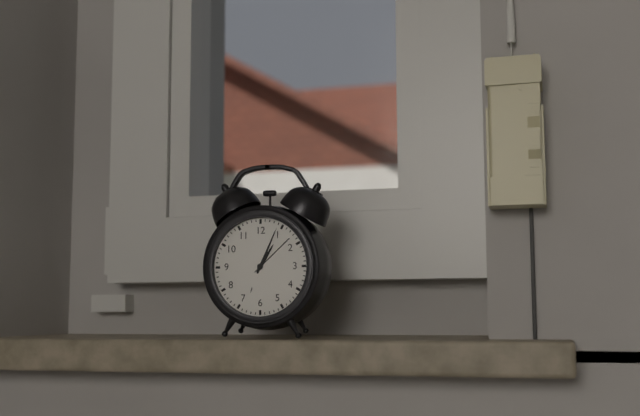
1:04
